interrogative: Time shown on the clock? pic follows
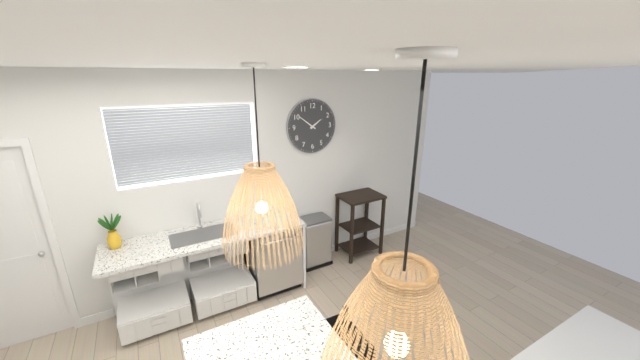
1:51
